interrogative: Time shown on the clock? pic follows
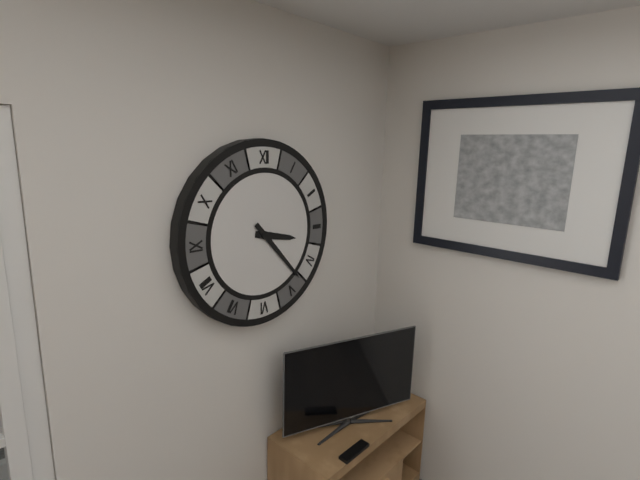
3:23
